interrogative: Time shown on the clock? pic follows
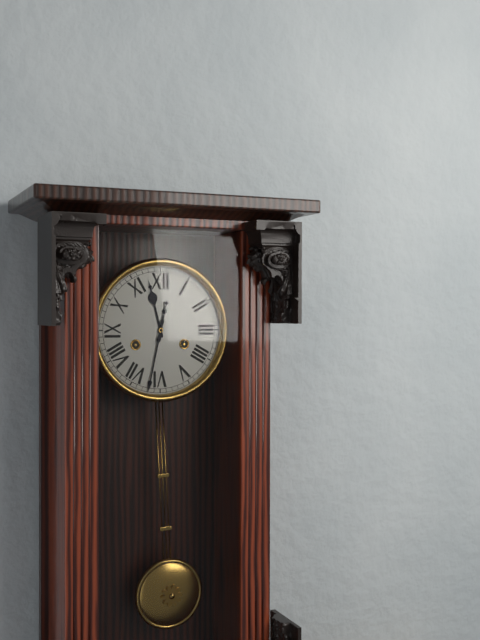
11:32
